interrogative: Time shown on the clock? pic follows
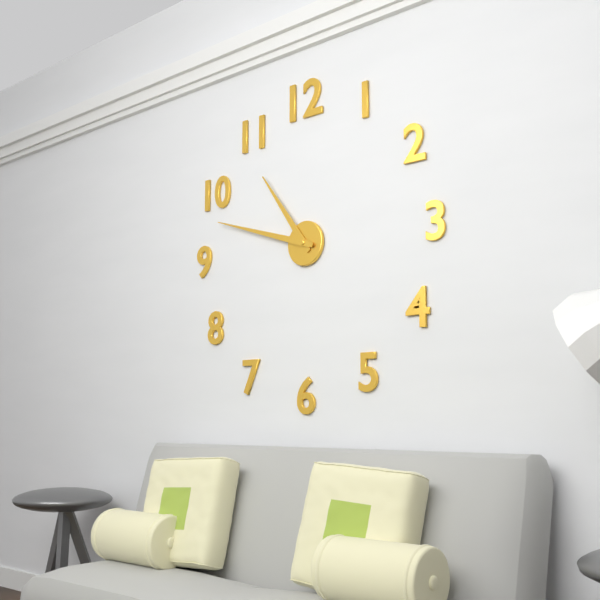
10:48
